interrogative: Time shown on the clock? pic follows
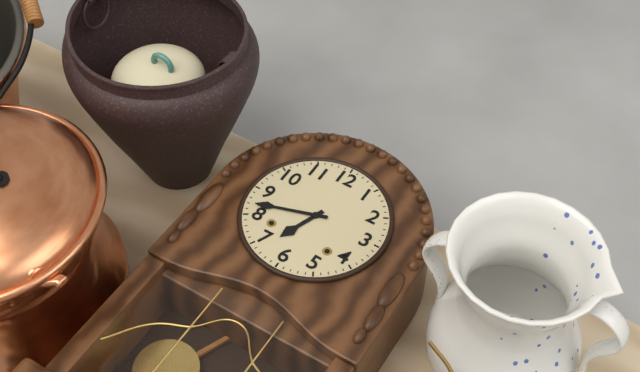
6:42
